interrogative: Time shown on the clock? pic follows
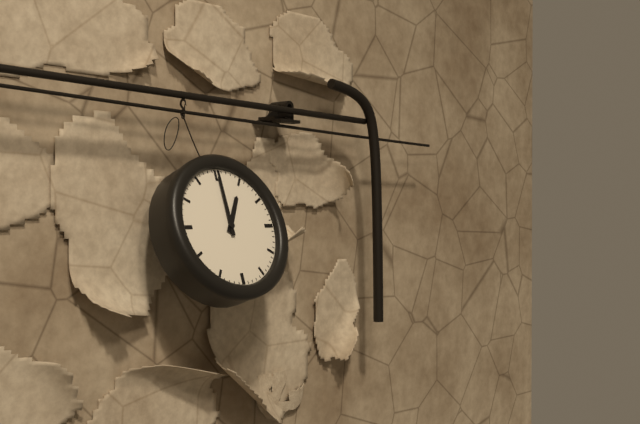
1:00
